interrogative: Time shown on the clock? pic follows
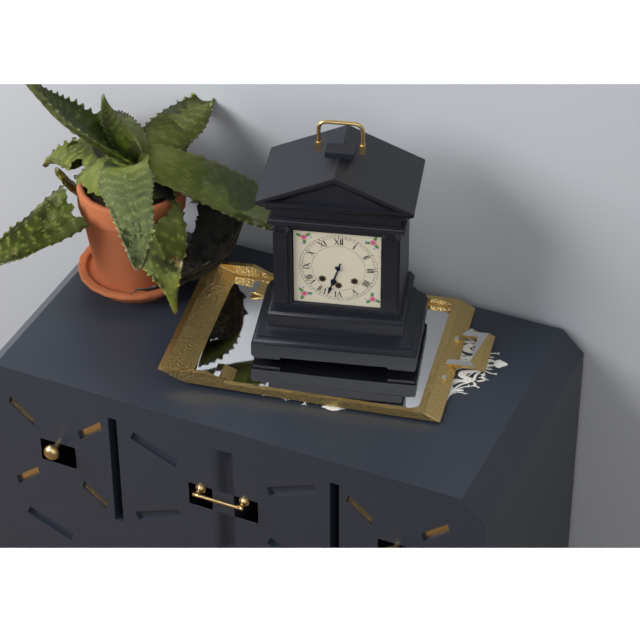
6:33
